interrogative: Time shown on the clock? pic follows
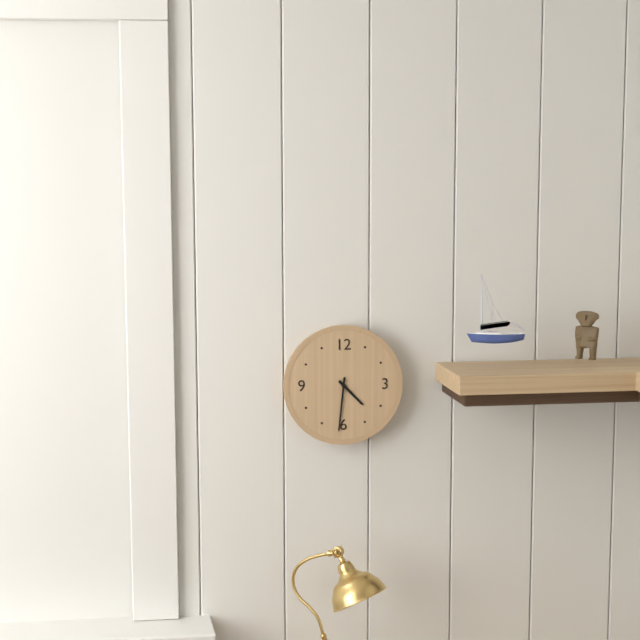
4:31
